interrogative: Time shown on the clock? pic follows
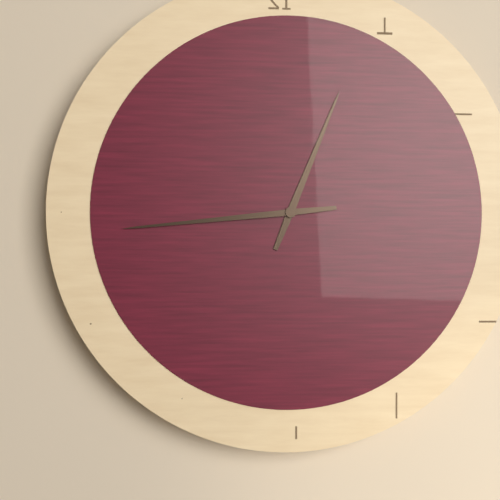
12:44
